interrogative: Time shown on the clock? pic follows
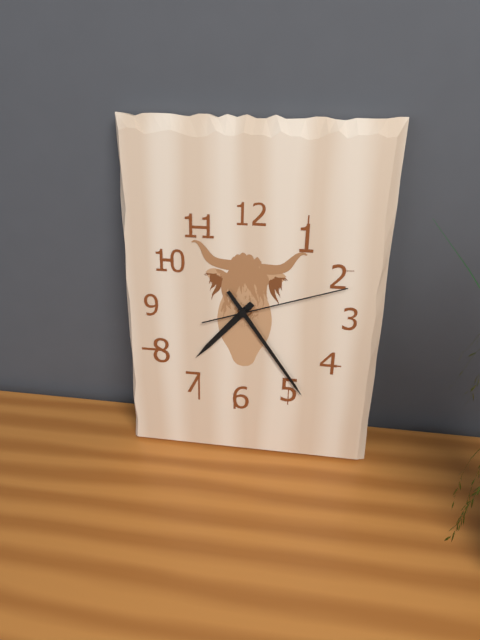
7:24:12
